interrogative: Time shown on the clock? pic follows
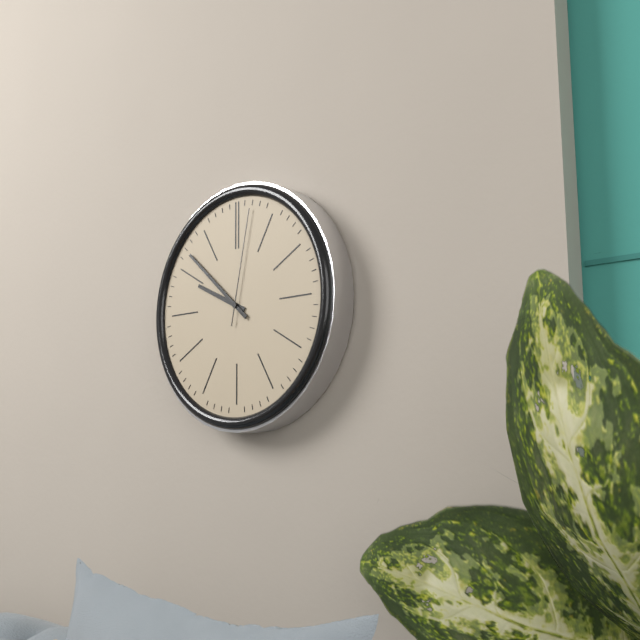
9:52:02
